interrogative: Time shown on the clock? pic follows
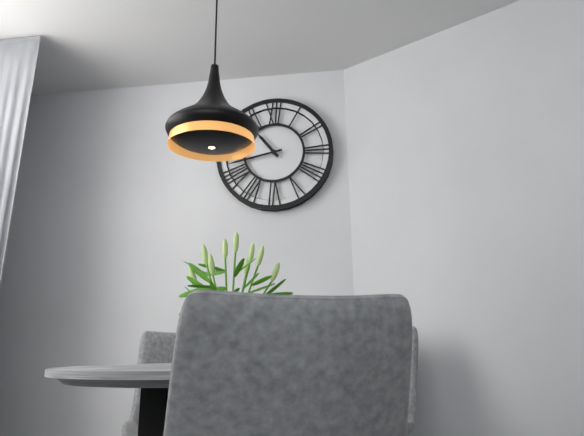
10:43
